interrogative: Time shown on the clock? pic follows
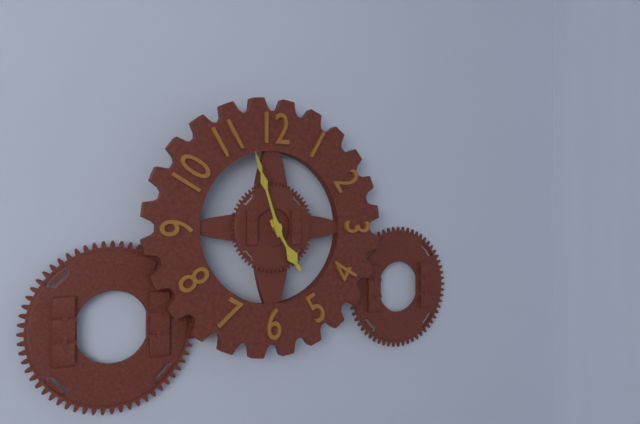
4:57
